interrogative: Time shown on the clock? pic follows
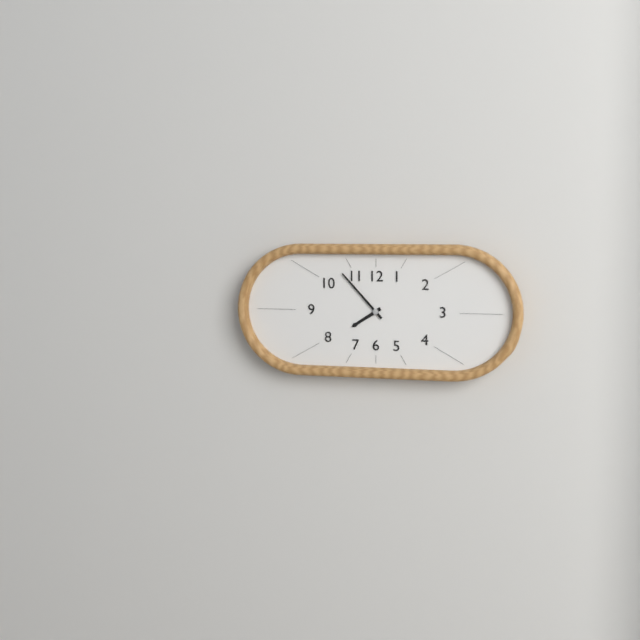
7:53
